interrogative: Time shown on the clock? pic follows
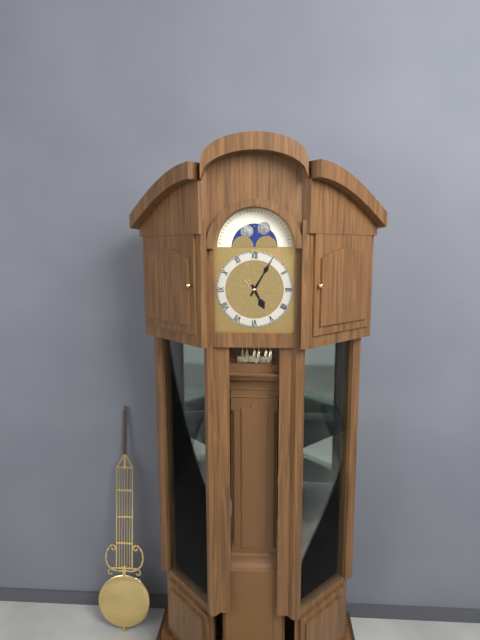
5:05
